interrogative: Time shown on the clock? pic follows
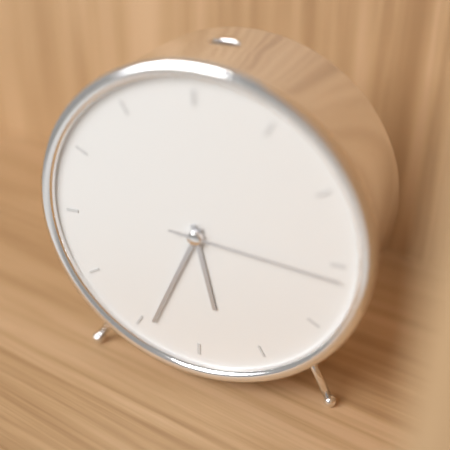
5:34:16
